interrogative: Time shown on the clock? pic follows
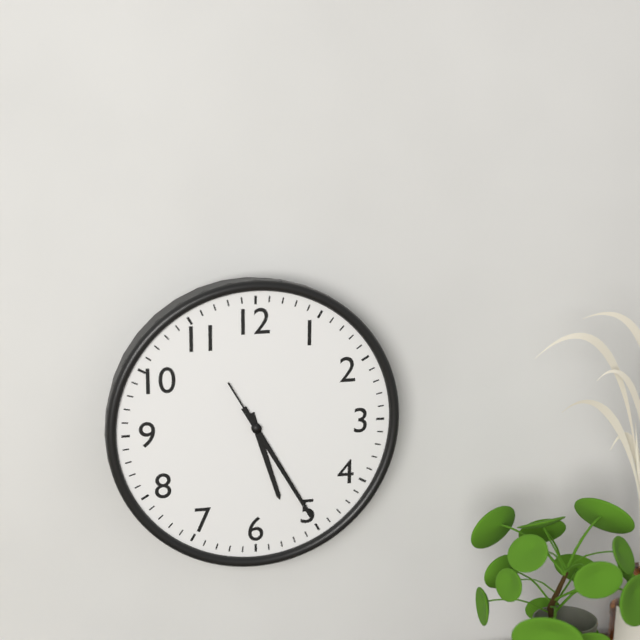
5:25:25
